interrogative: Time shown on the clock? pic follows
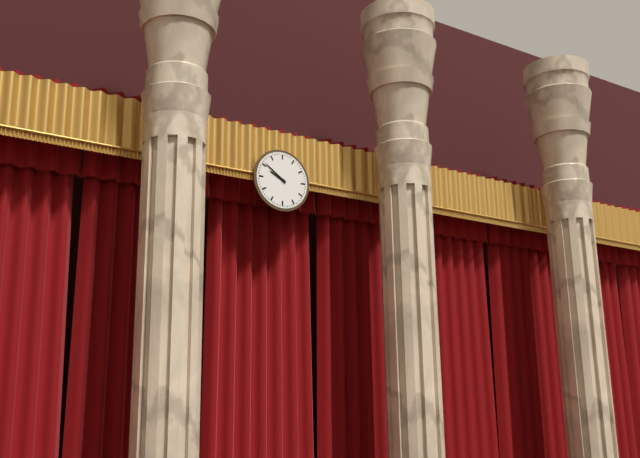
9:51
